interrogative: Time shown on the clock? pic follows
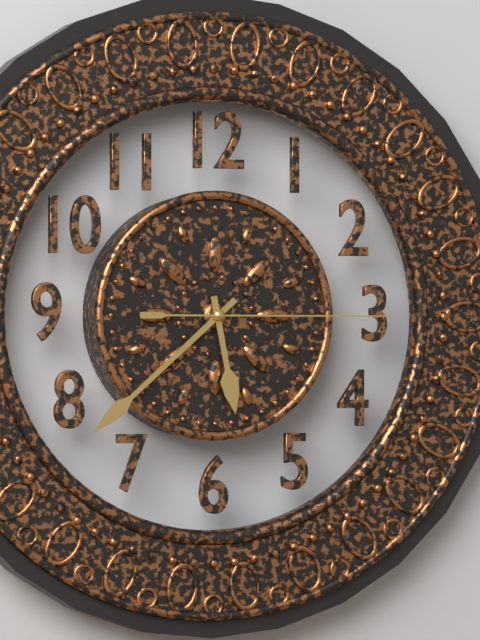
5:38:15
